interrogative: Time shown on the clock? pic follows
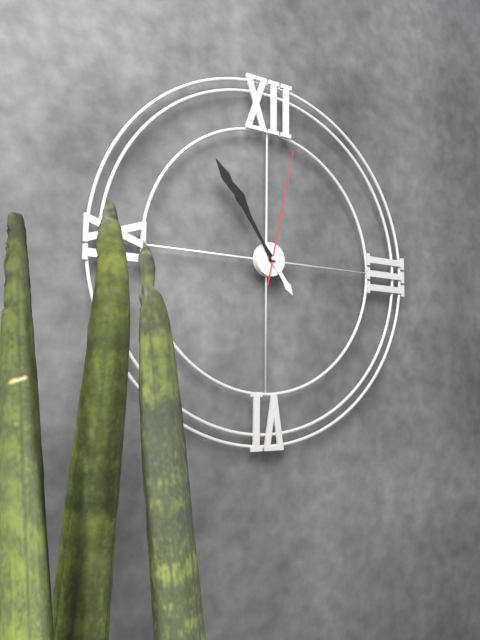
10:54:02
